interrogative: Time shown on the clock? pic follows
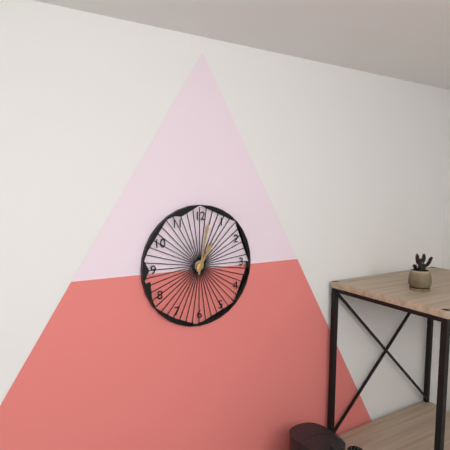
1:02
